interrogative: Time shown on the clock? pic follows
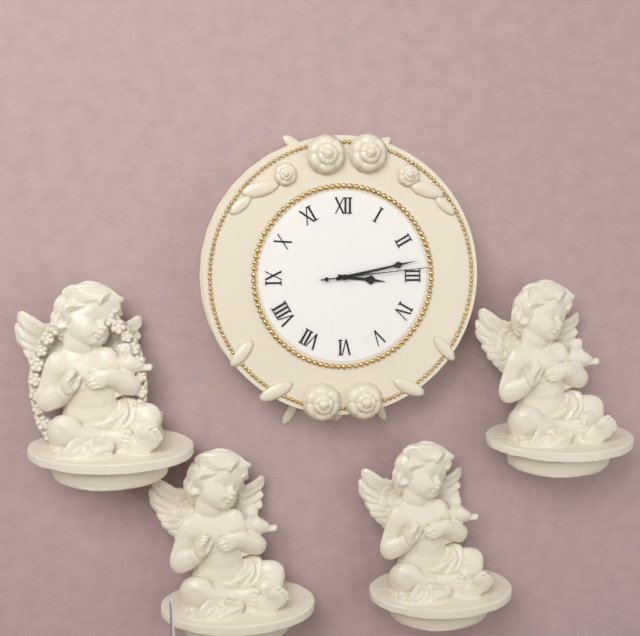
3:13:14
